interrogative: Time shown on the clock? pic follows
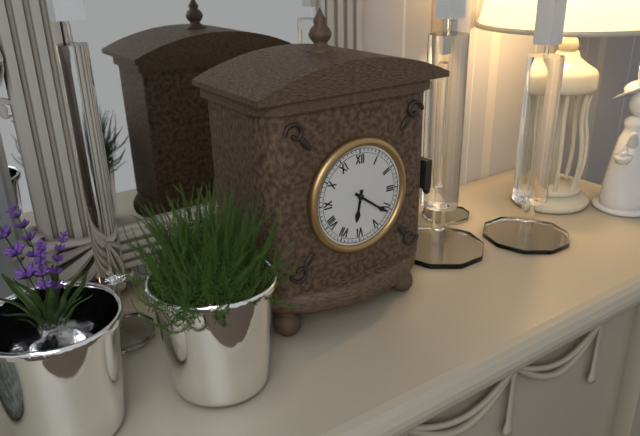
6:21
